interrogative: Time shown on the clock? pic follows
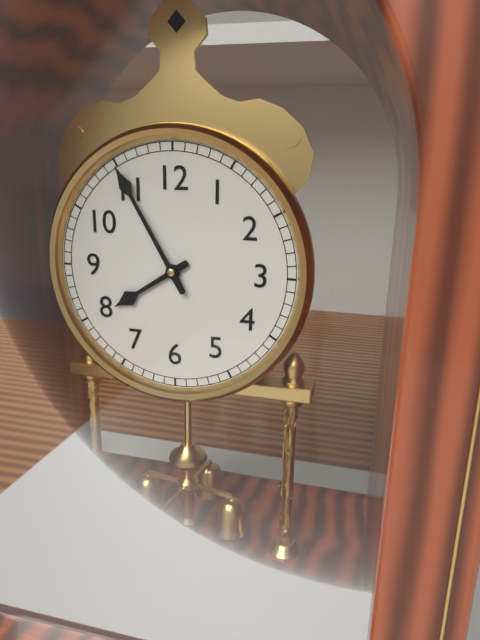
7:55
